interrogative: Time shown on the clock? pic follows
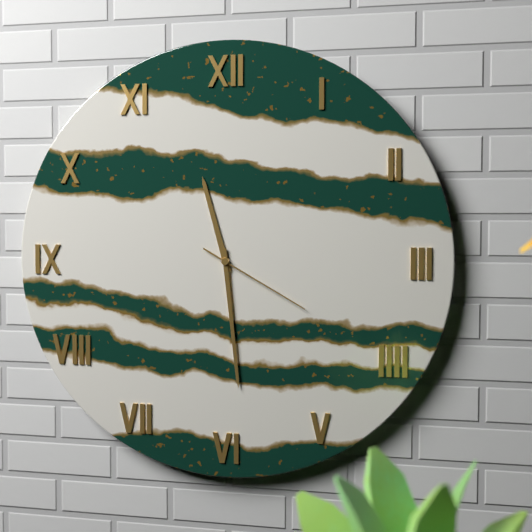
11:29:20
